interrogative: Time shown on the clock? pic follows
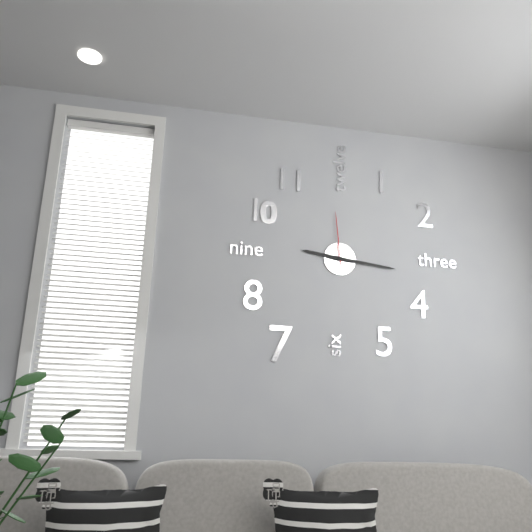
9:16:59
